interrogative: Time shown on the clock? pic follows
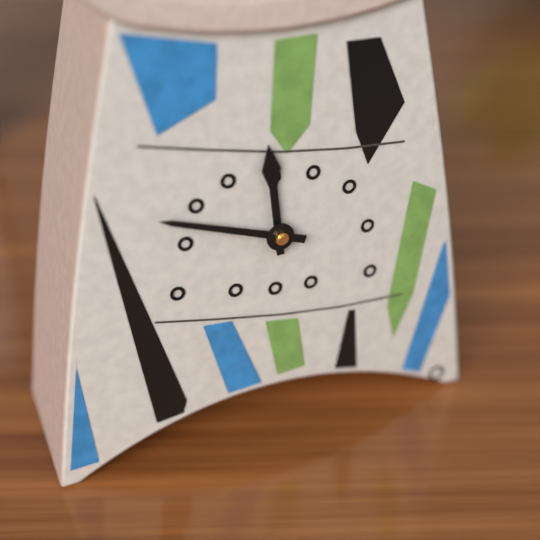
11:48
